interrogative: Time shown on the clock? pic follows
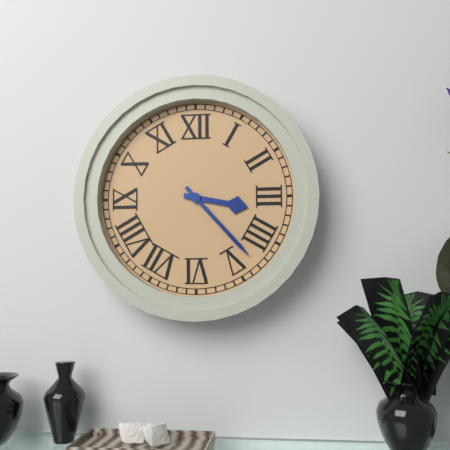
3:23
